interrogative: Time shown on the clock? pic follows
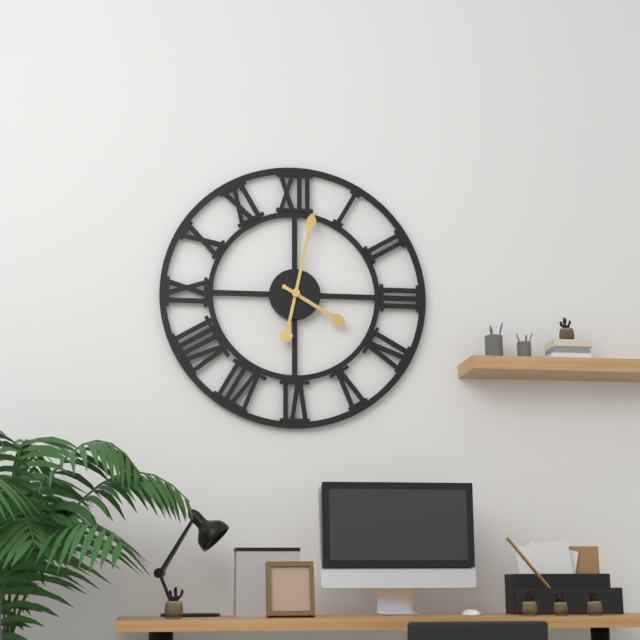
4:02
